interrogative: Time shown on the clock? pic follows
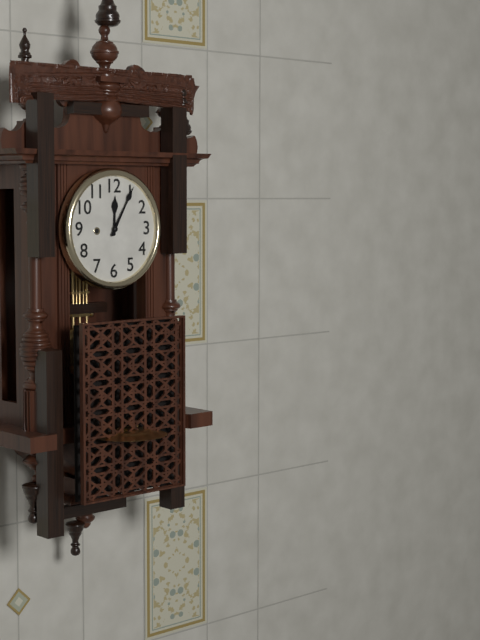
12:05
